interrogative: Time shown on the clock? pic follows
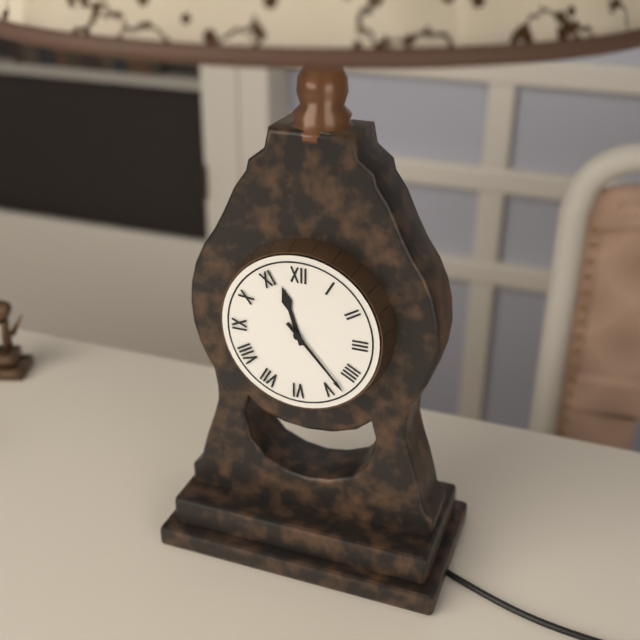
11:23
